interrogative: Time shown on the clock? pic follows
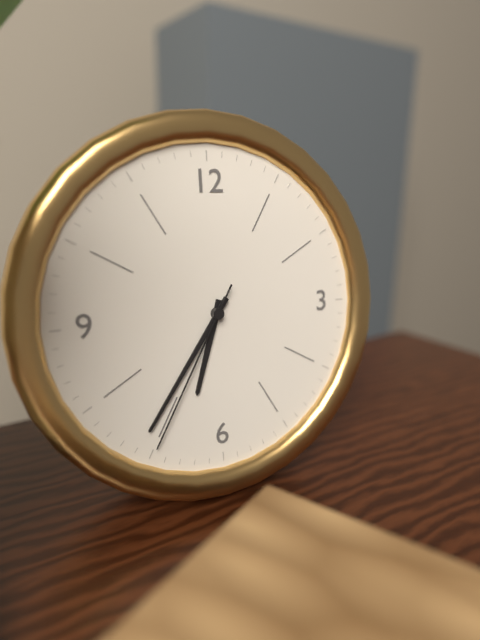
6:36:35
